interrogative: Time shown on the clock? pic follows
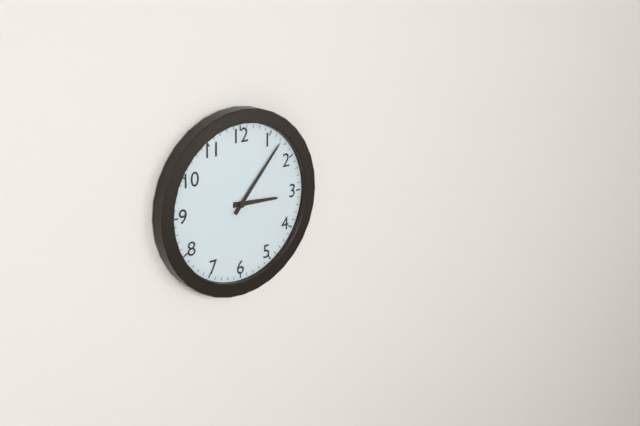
3:07
